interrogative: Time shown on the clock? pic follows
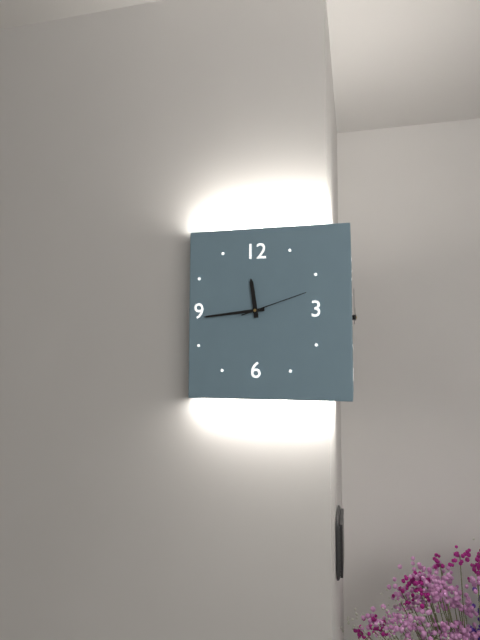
11:44:12
